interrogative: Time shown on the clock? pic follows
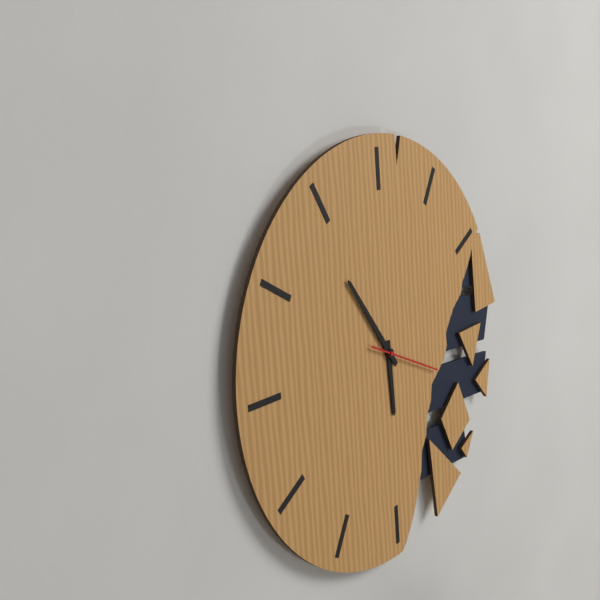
5:54:19
